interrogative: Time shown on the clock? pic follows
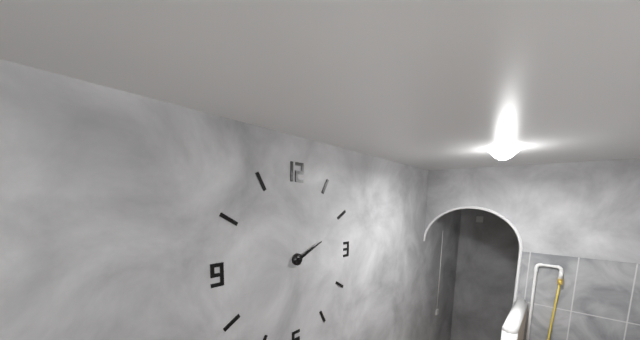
2:11
